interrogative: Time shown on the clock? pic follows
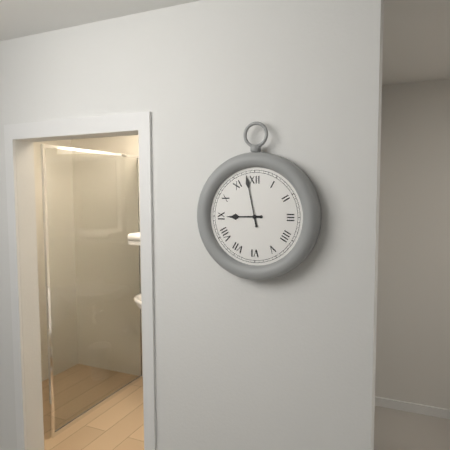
8:58
